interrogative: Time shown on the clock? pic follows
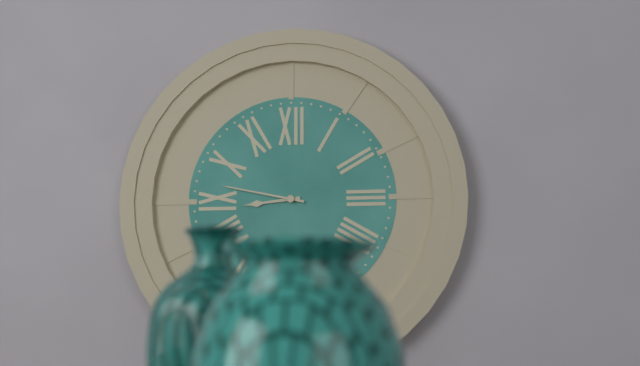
8:47
